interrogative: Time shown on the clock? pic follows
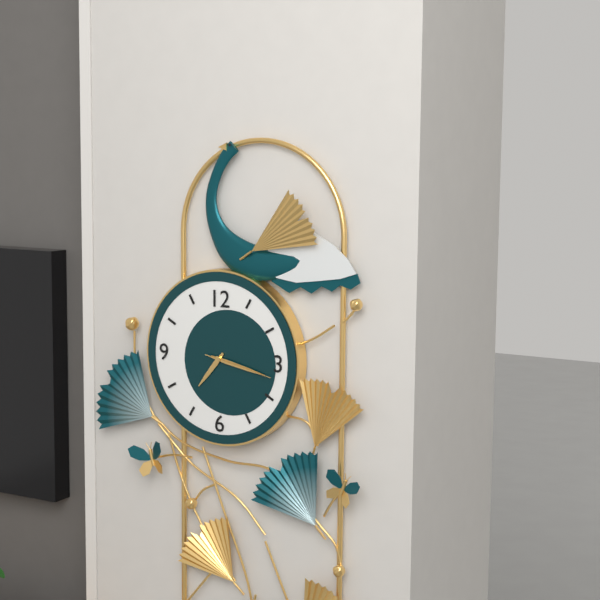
7:17:17
